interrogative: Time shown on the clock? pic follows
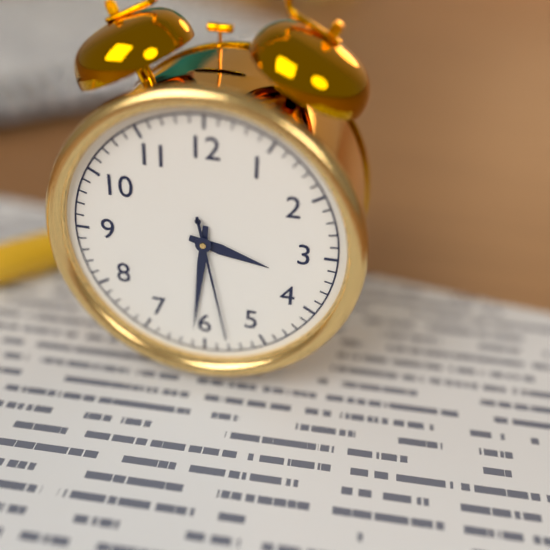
3:31:28
